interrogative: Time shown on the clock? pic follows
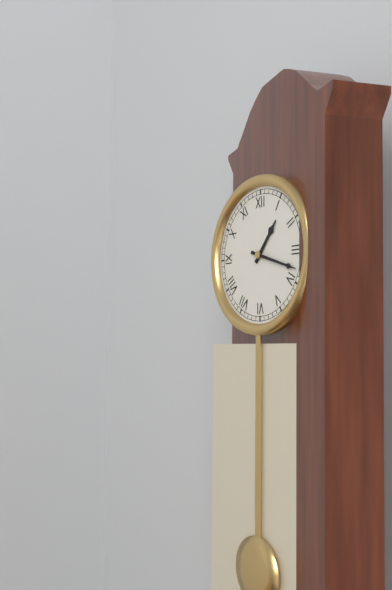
1:18
